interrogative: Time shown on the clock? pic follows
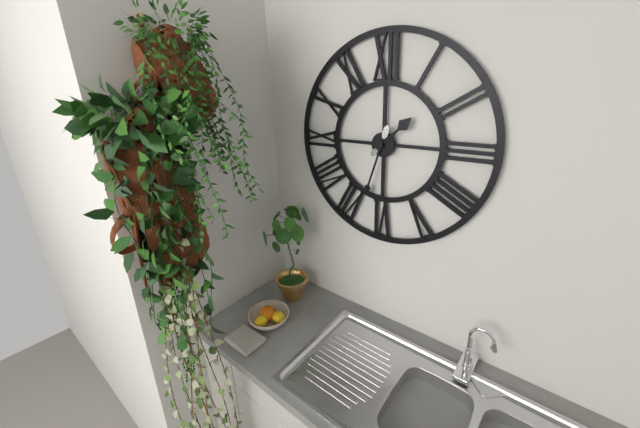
1:33
